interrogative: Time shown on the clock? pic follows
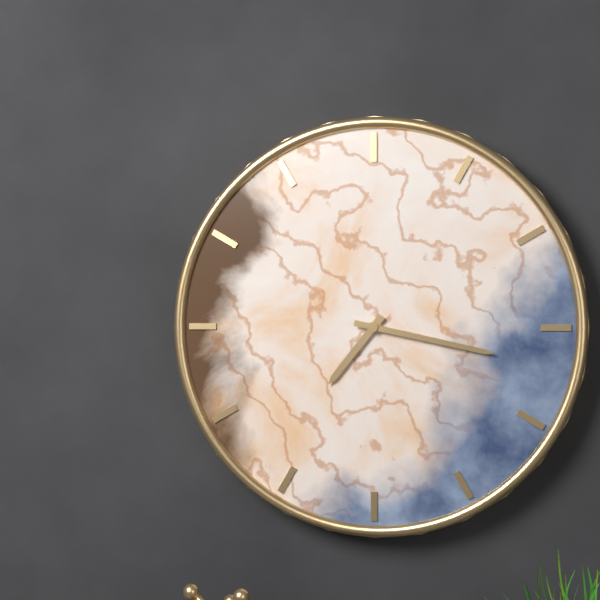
7:17
